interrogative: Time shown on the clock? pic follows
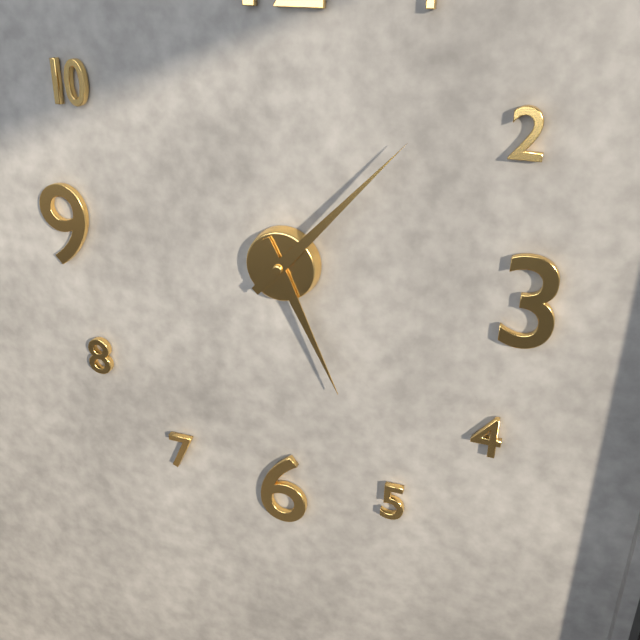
5:07
